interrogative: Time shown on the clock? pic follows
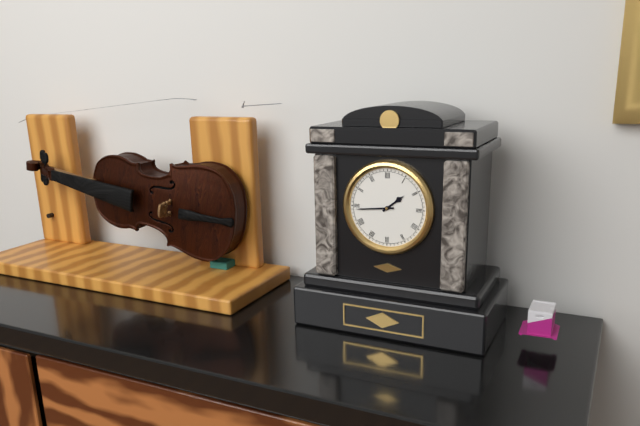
1:44
